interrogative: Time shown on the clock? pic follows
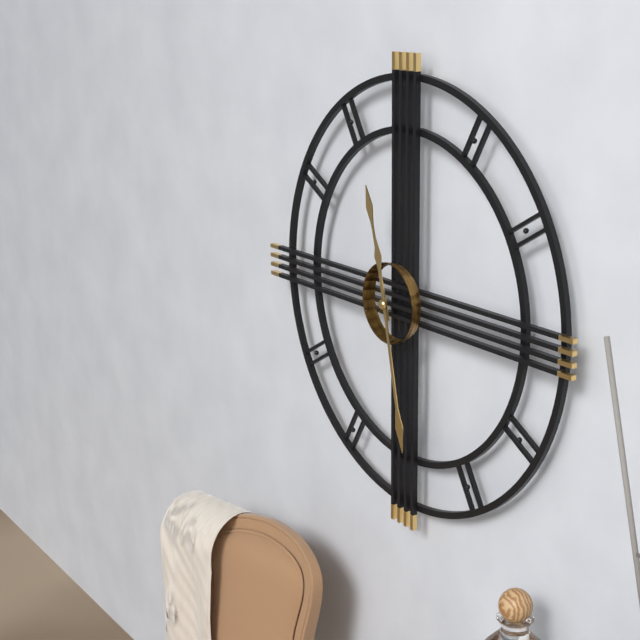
11:28
